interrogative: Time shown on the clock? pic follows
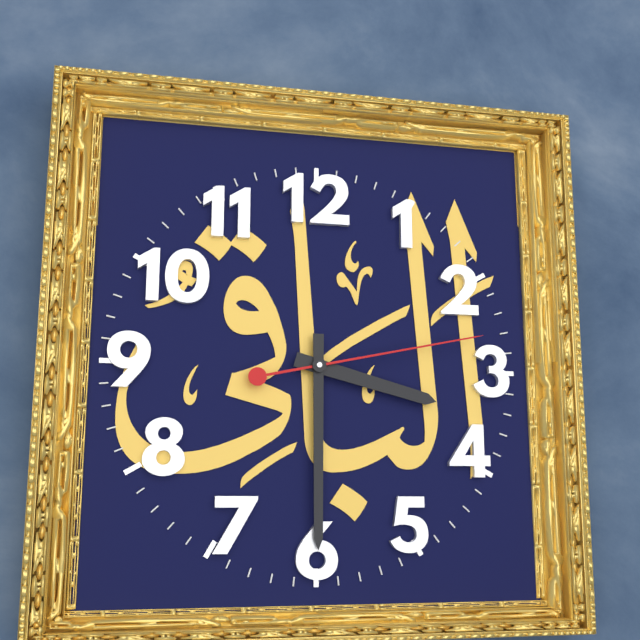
3:30:13
